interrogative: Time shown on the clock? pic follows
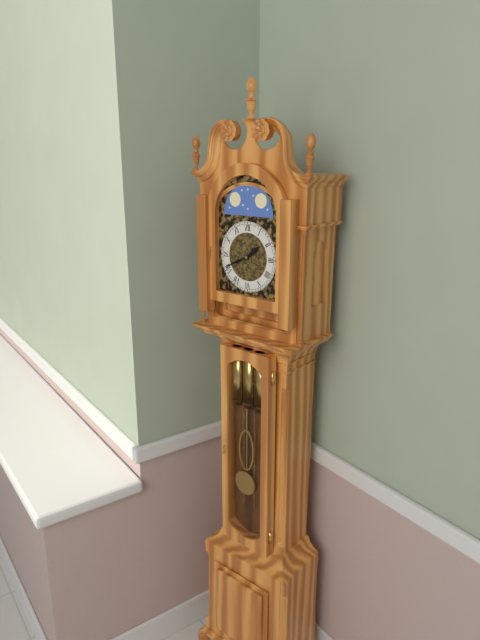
1:41
